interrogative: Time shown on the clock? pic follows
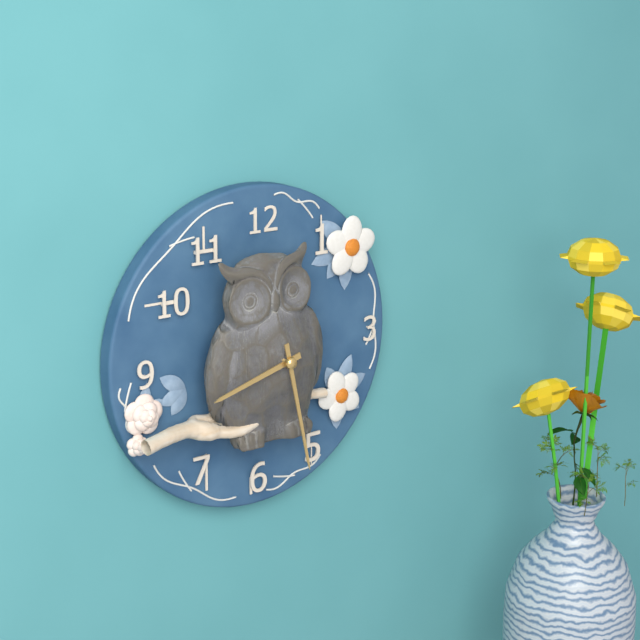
8:28
